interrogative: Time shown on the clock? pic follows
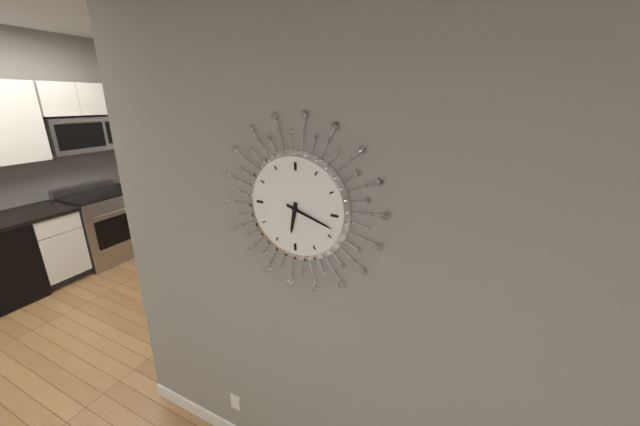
6:18
